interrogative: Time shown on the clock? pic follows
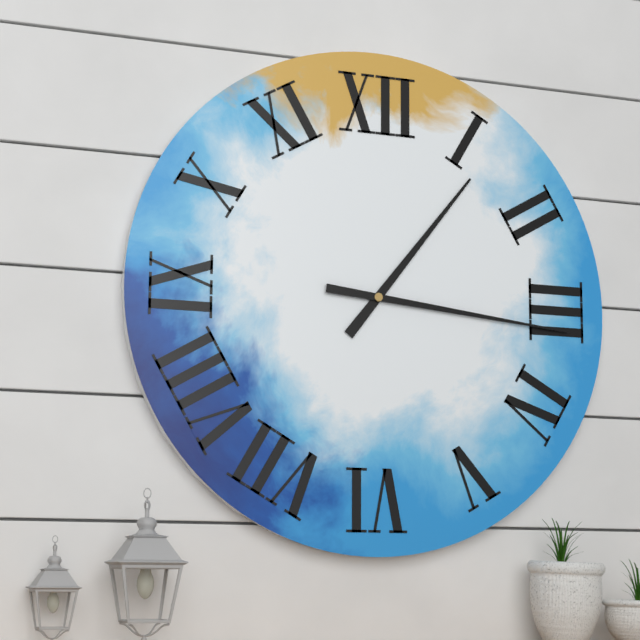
1:16
